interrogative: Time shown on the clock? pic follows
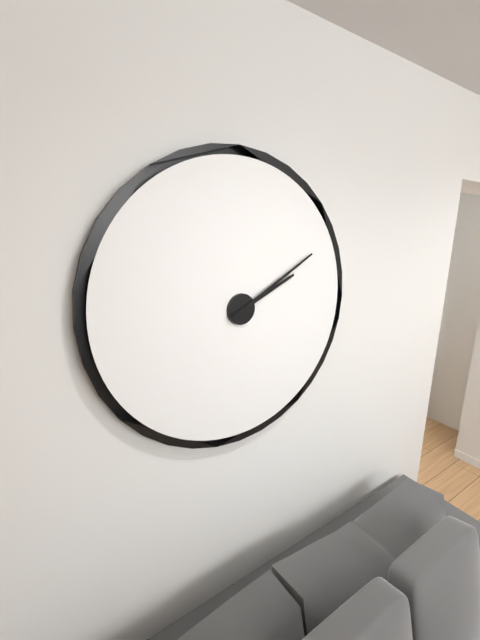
2:10
